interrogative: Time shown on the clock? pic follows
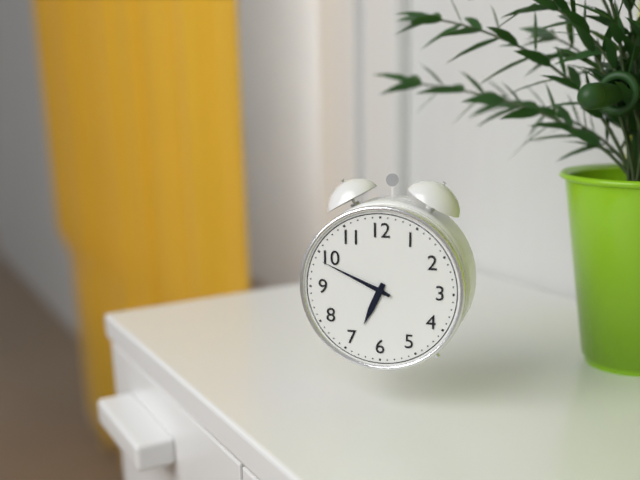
6:49
